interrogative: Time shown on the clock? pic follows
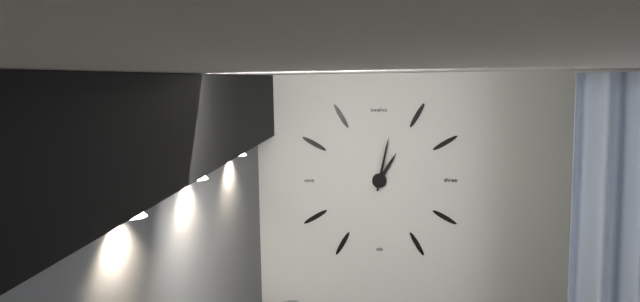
1:02
